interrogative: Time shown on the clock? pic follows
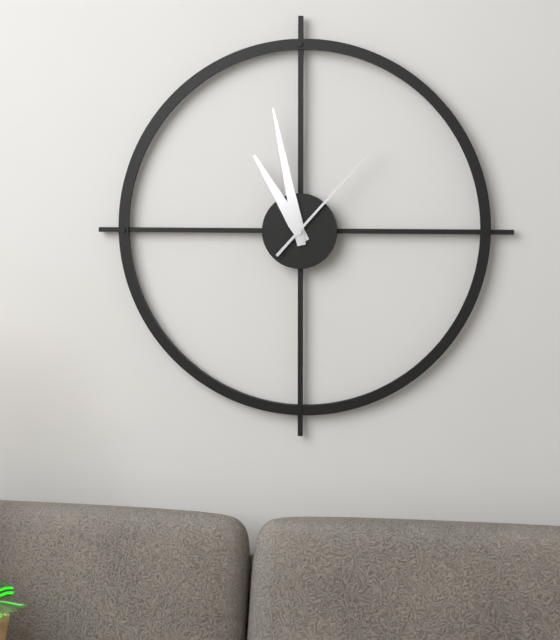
10:58:07
